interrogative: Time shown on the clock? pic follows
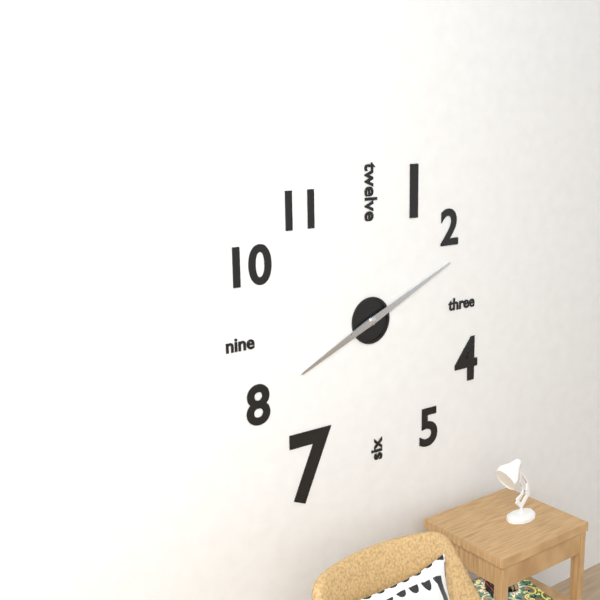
8:11
